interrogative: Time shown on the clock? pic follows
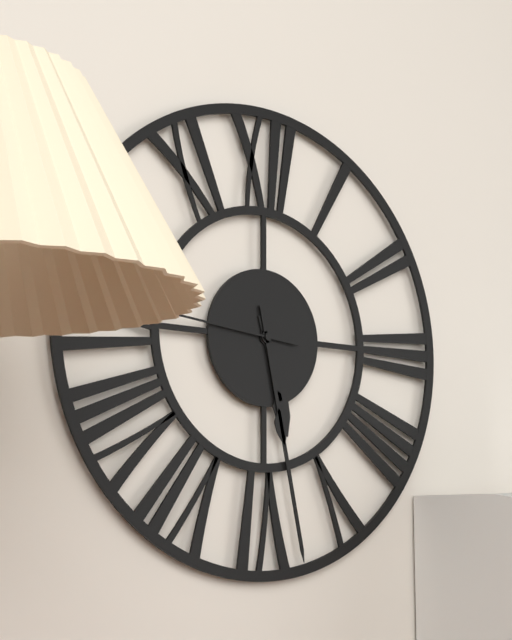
5:28
